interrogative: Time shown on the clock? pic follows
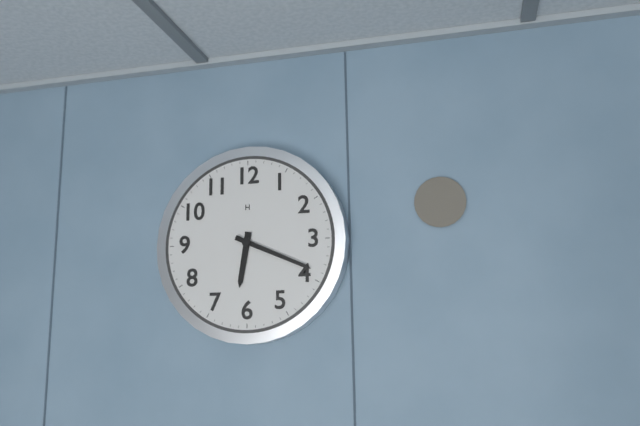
6:19
